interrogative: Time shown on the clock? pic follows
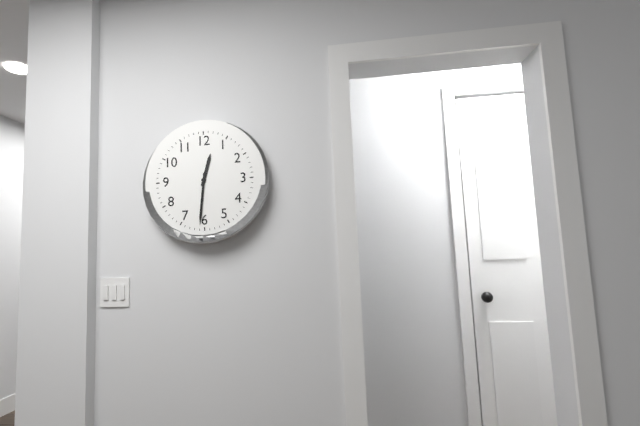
12:31
